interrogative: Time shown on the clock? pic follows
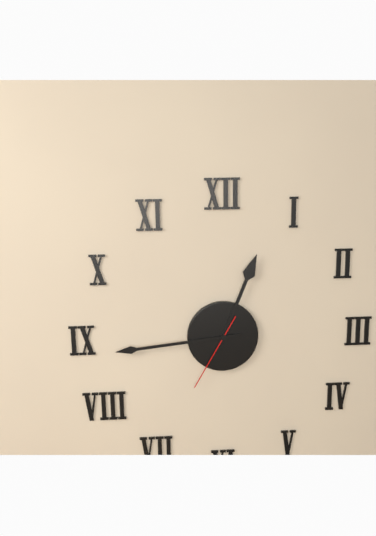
12:44:35
